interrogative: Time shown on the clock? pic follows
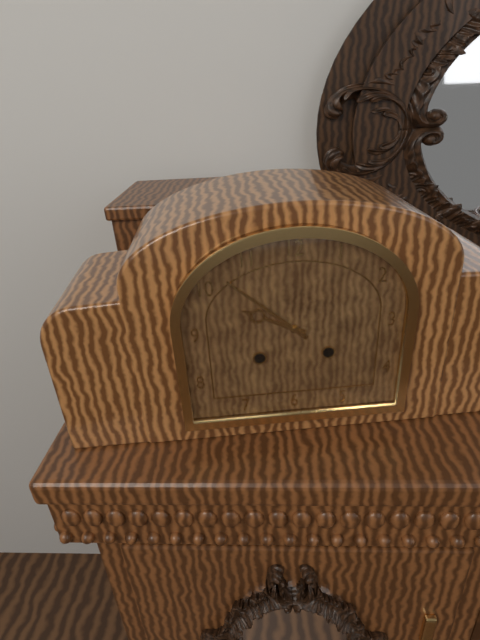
9:52
